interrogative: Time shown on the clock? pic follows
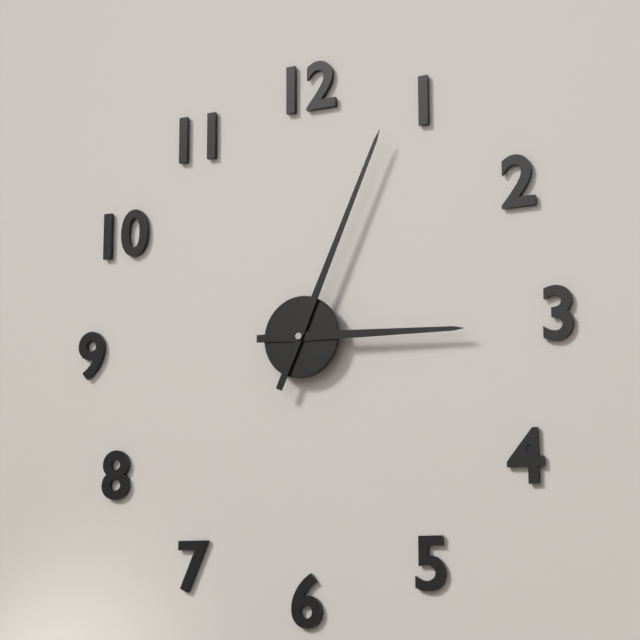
3:04
